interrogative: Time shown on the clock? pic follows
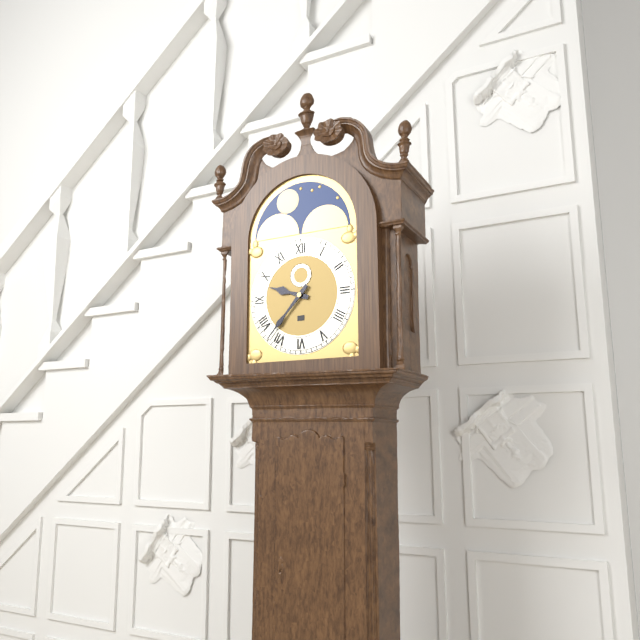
9:37
